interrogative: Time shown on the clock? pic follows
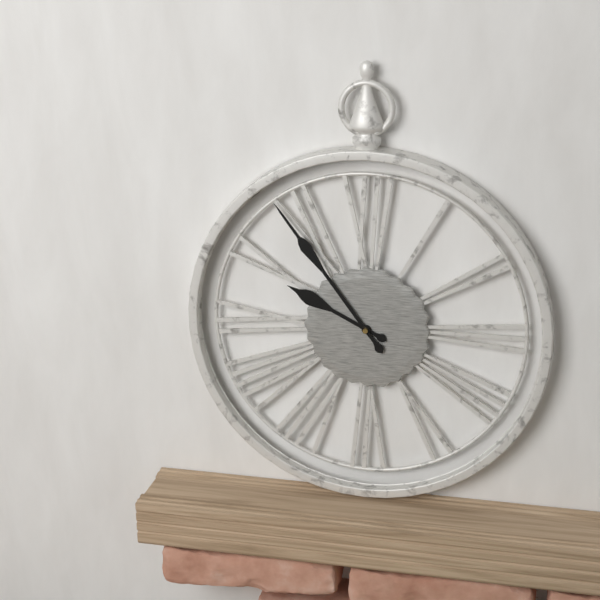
9:54
